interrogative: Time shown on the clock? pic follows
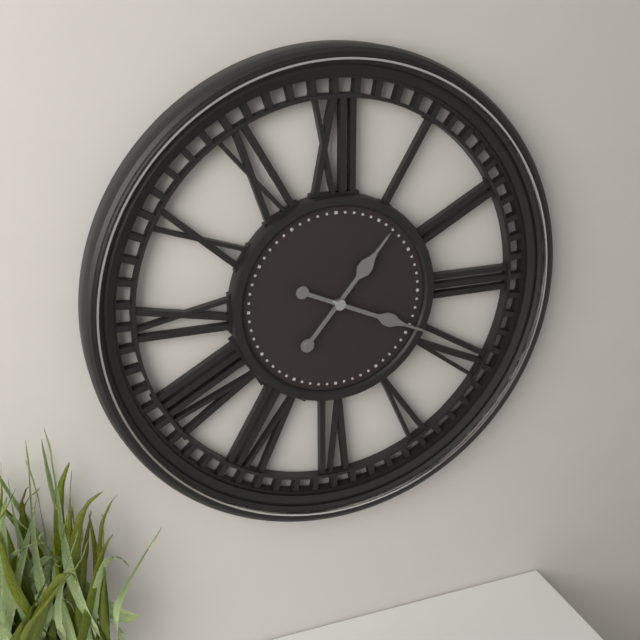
1:19
